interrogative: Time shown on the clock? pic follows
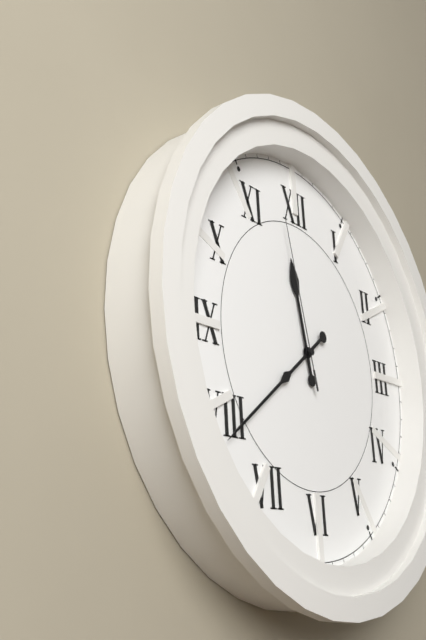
11:39:58
